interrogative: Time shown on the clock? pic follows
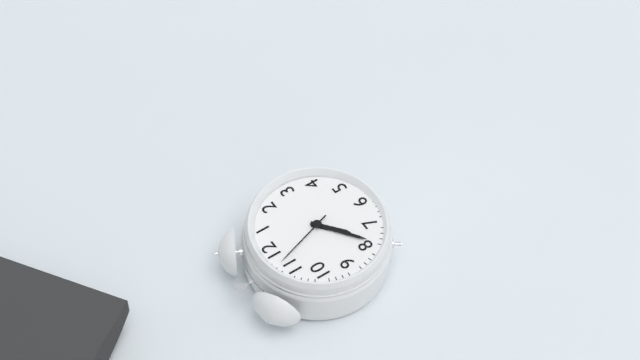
7:39:57
